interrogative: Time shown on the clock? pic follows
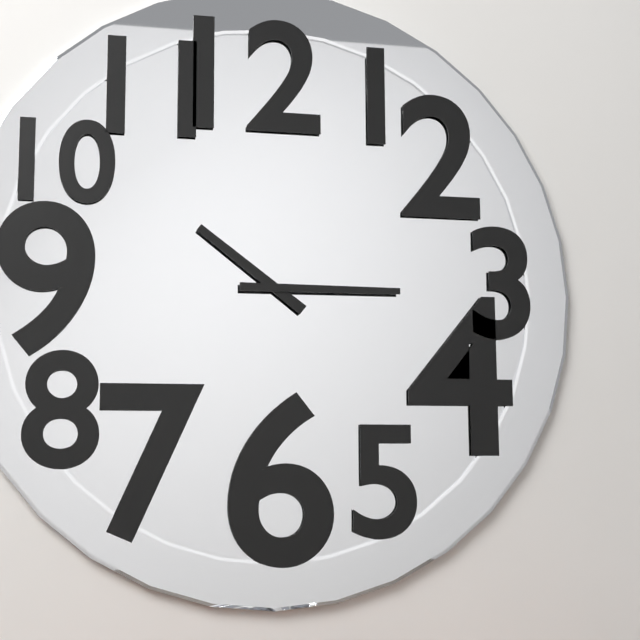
10:15
